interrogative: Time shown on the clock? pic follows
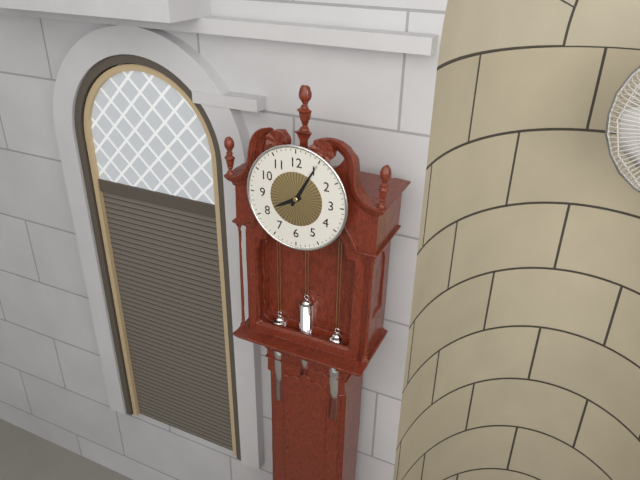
8:05
